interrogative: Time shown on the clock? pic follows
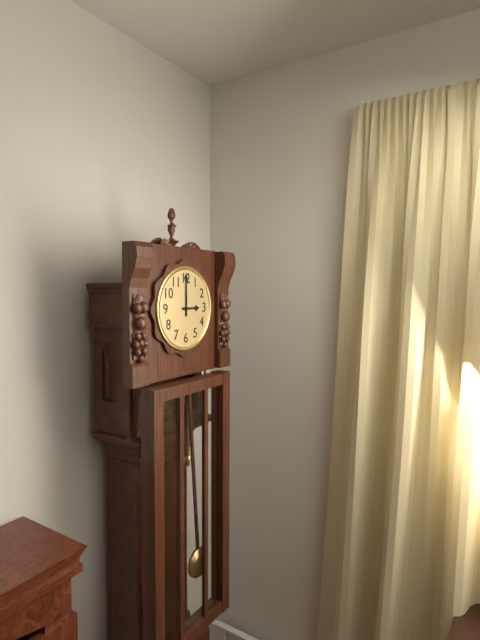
3:00
